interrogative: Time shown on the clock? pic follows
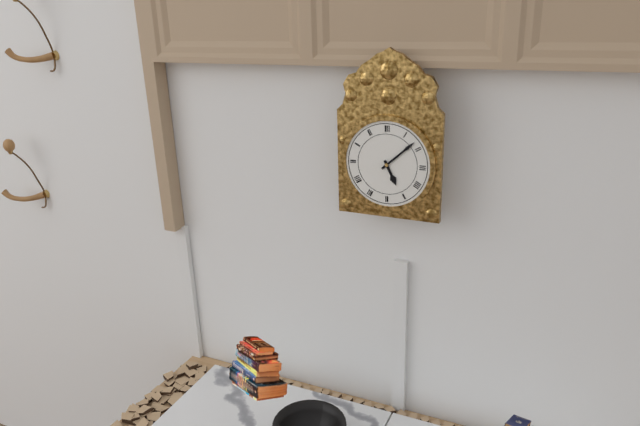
5:08
